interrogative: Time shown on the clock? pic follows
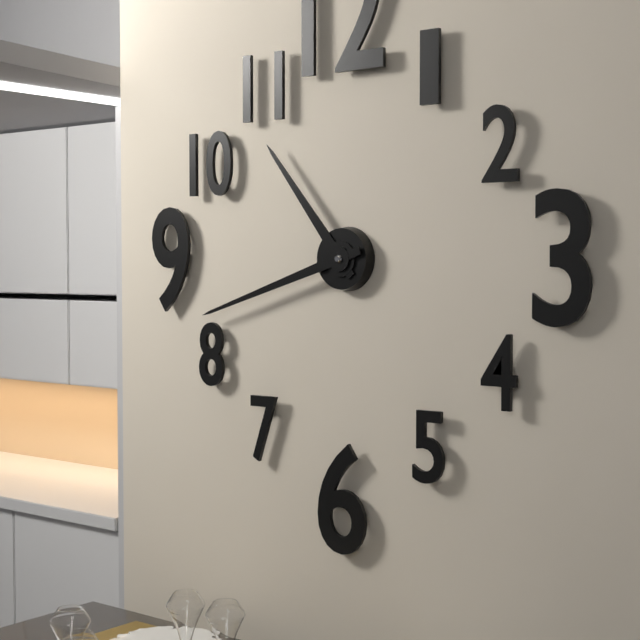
10:42
